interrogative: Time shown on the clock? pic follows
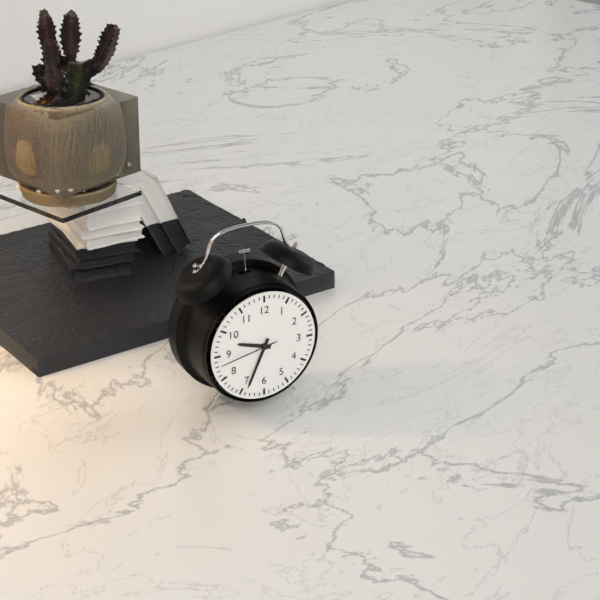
9:34:43
